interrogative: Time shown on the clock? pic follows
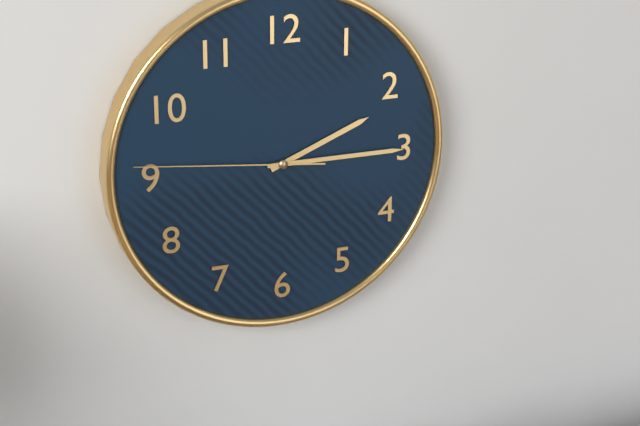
2:15:46
